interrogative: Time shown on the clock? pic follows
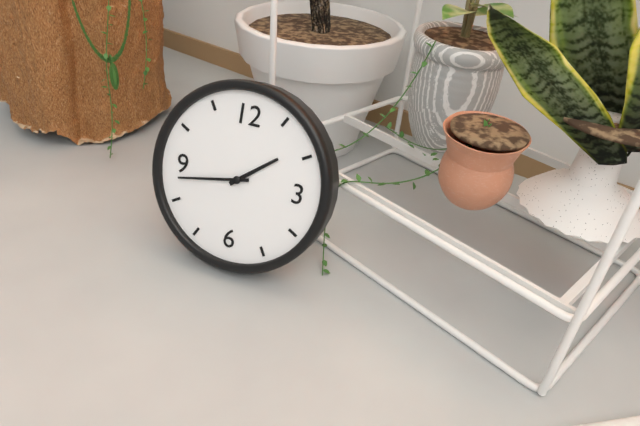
1:43
